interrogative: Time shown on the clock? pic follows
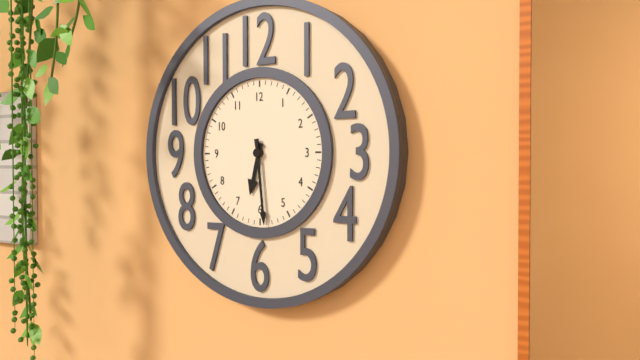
6:29
